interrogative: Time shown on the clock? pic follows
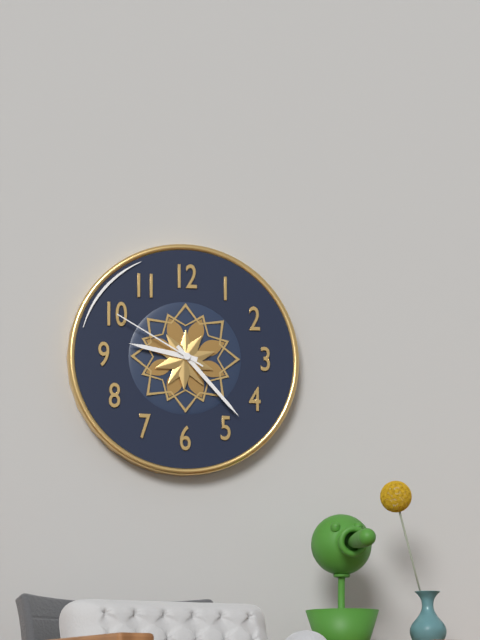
9:23:50
